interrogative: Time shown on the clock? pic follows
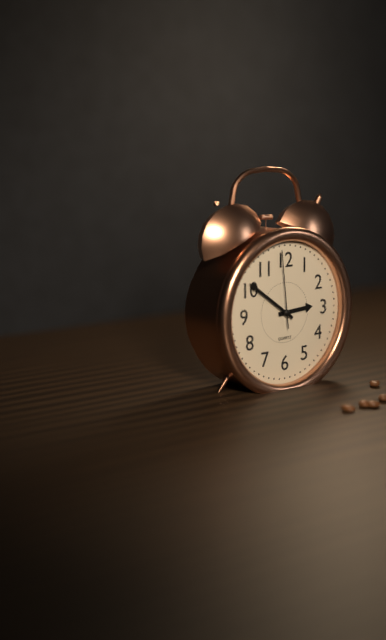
2:51:59
